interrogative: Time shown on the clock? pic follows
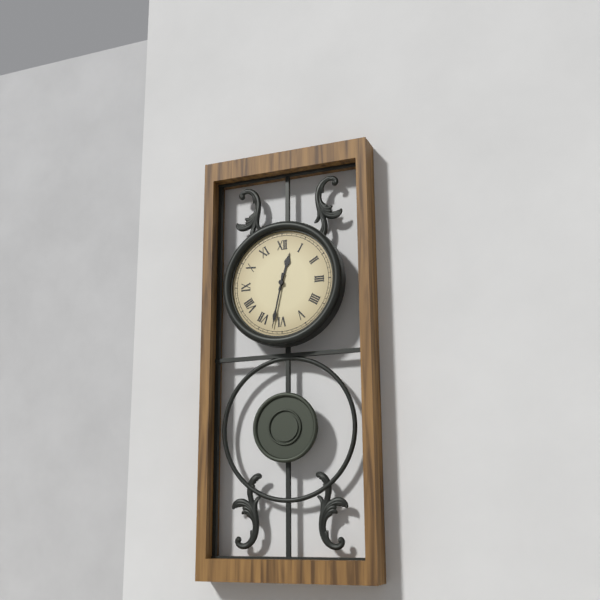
12:32
